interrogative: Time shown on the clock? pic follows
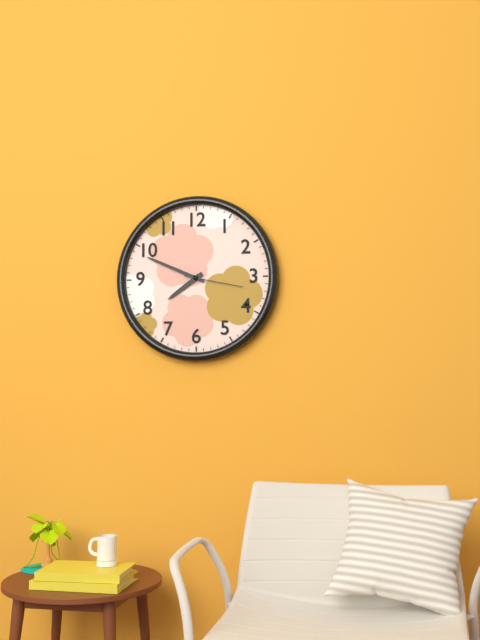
7:49:17
